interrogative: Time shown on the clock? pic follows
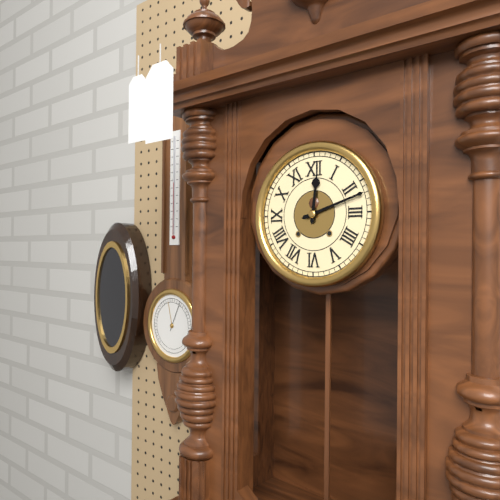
12:12
